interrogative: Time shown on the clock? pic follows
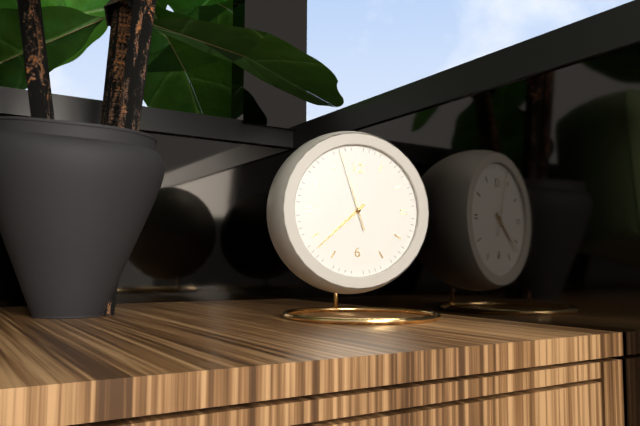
7:38:57
